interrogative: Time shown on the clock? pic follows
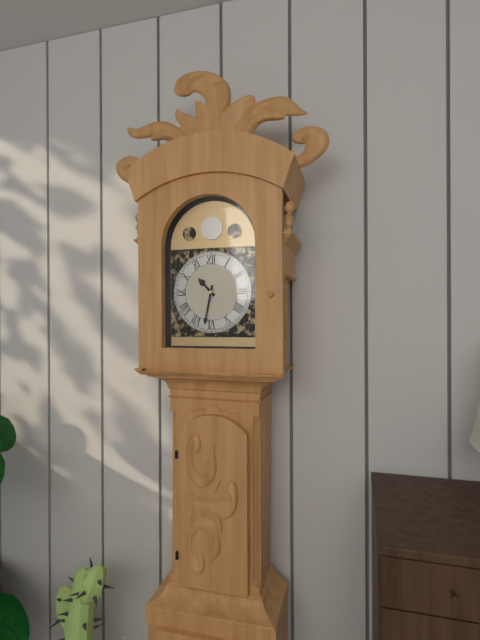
10:32
